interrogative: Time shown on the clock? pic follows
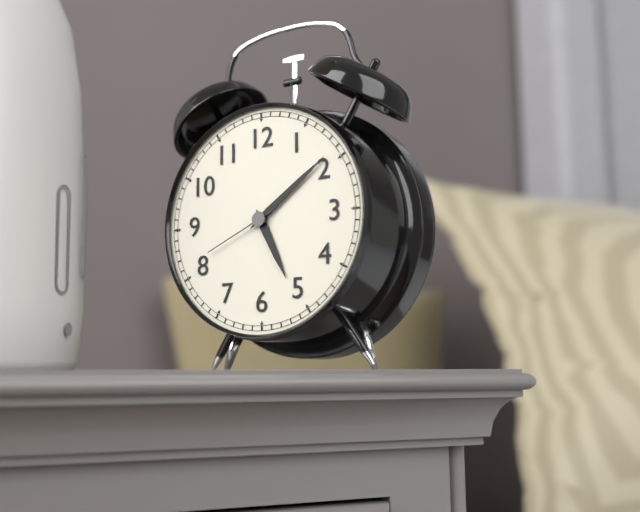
5:09:41
